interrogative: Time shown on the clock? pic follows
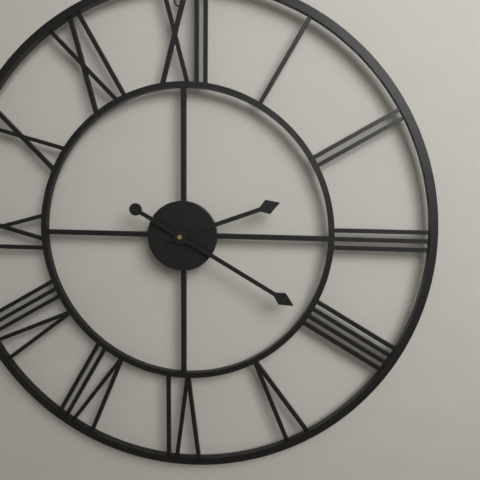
2:20
